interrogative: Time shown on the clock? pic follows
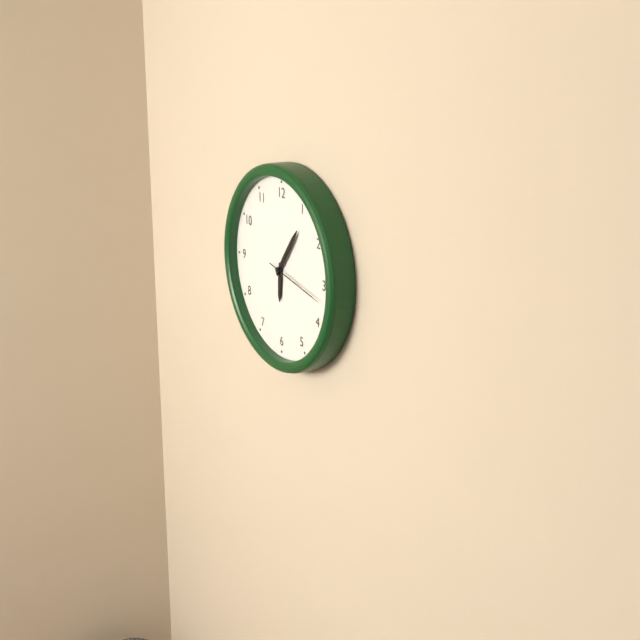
6:06:17
